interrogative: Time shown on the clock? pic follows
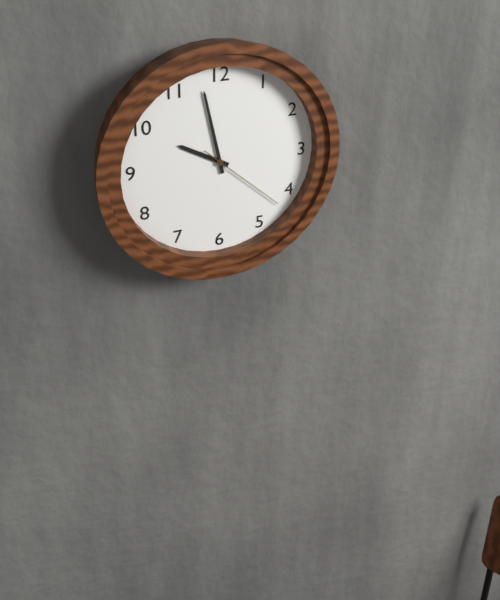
9:58:22
